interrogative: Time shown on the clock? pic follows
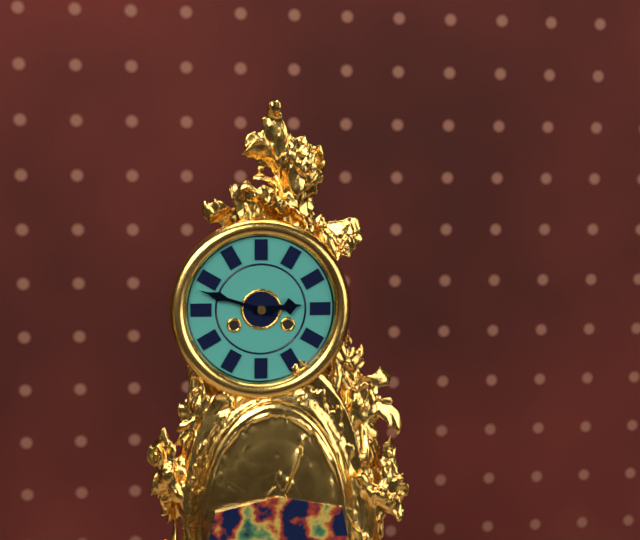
2:48
